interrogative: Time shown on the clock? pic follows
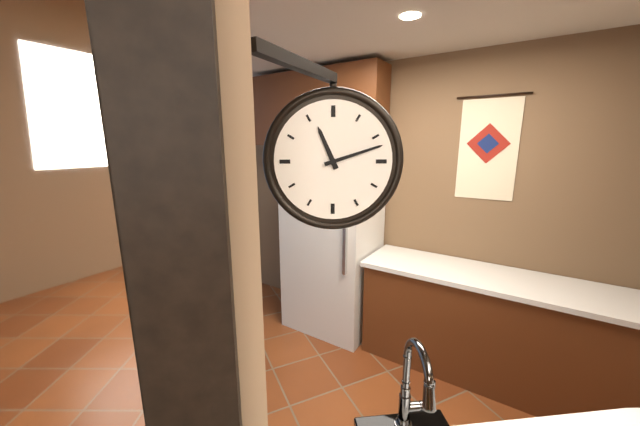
11:12
